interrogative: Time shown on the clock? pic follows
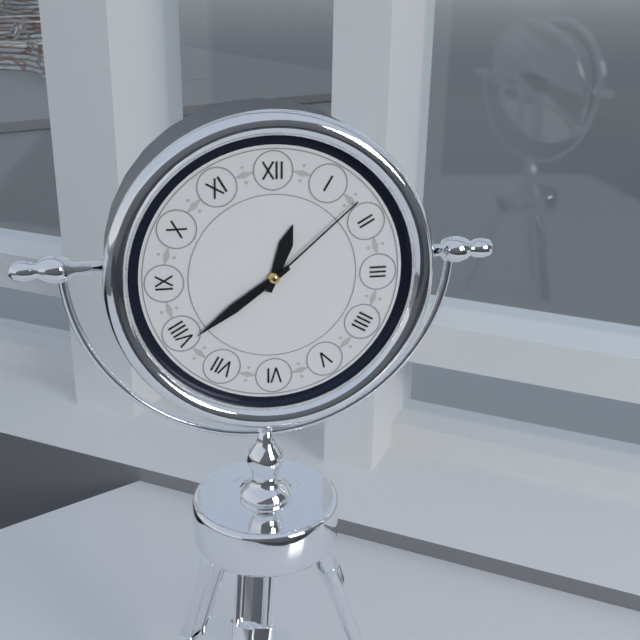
12:39:08
